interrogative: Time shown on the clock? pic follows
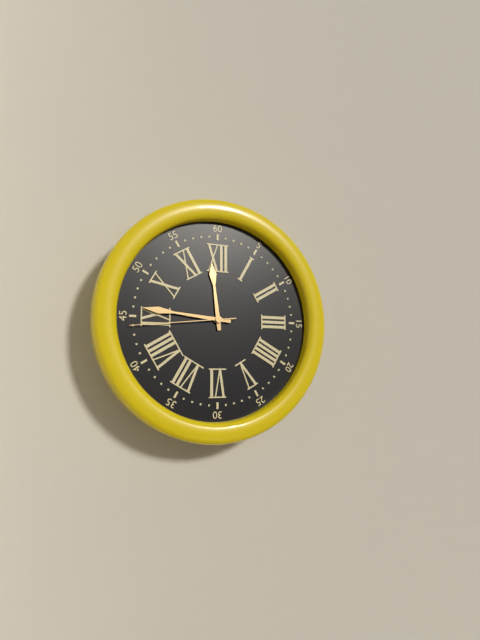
11:46:44
